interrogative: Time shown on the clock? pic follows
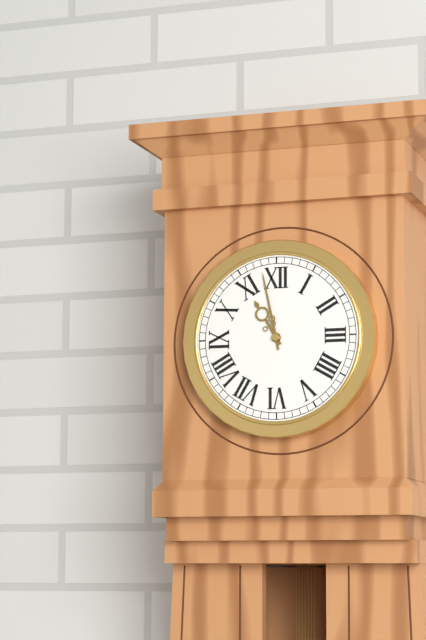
10:58
